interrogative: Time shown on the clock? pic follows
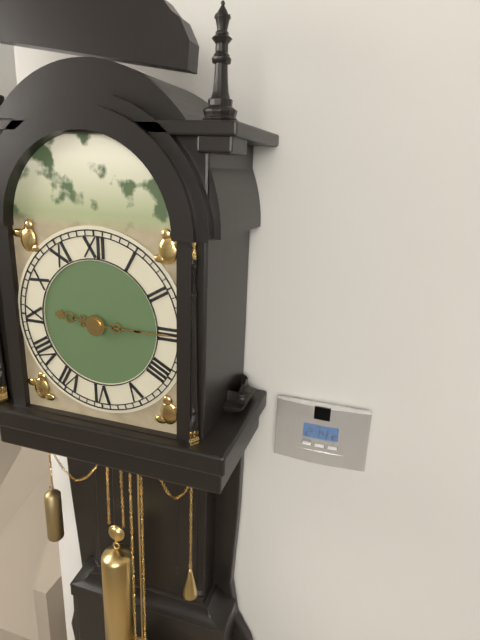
9:15
